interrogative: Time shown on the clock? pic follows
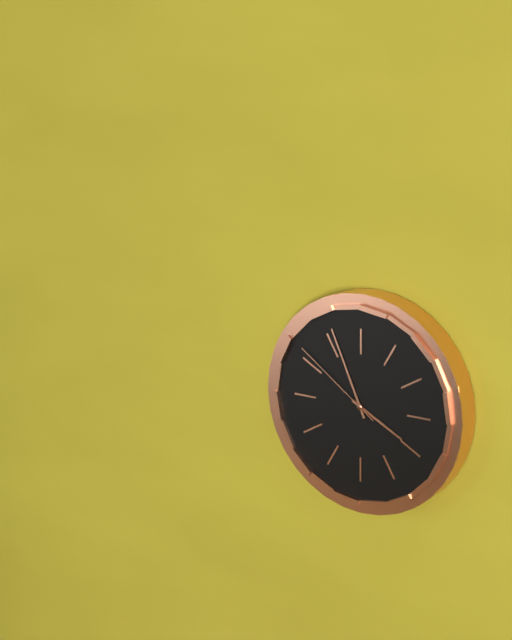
3:56:51
